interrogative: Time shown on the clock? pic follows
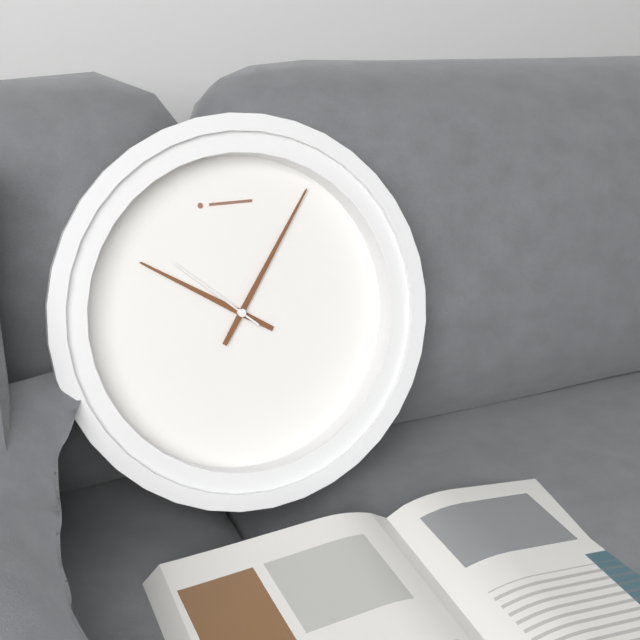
10:06:52
